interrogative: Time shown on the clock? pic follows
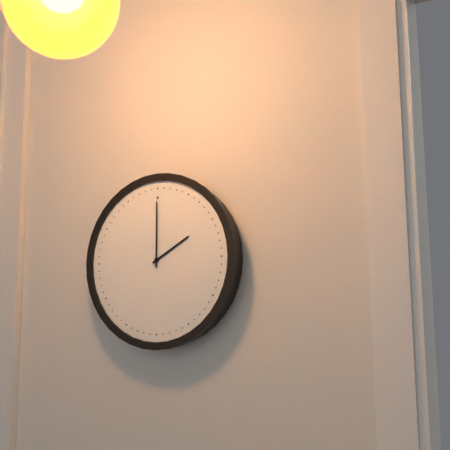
2:00
